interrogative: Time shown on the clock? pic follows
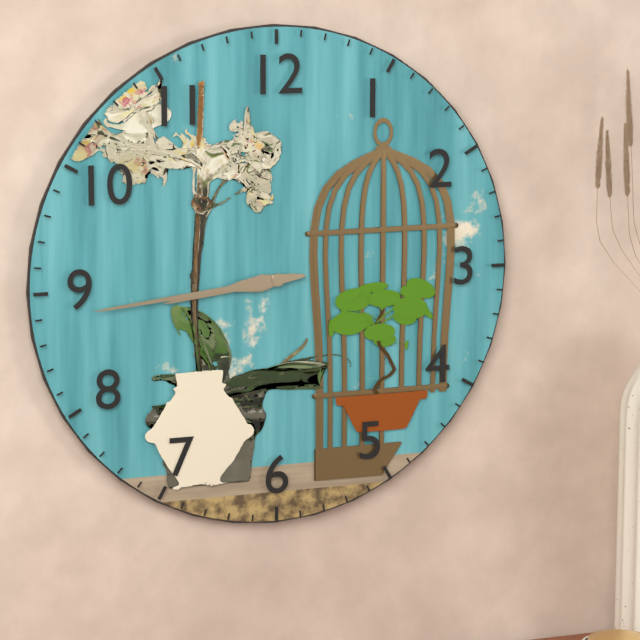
8:44
